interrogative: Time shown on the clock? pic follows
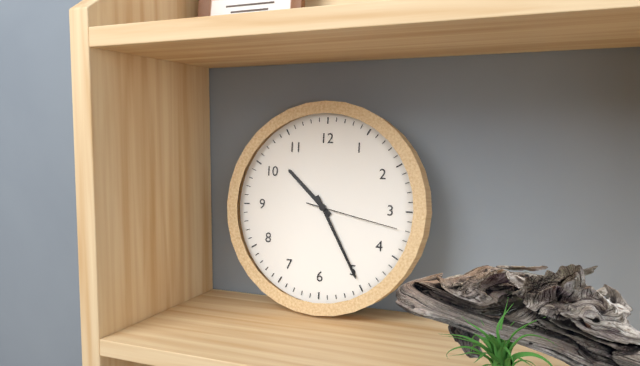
10:25:17
